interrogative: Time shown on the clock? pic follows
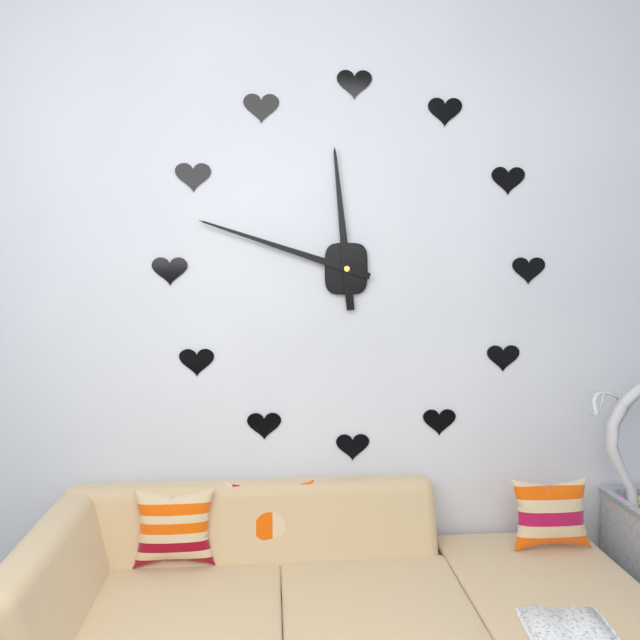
11:48
